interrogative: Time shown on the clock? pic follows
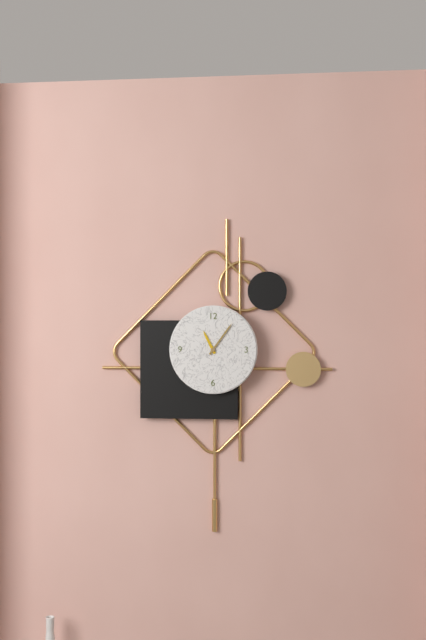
11:06
